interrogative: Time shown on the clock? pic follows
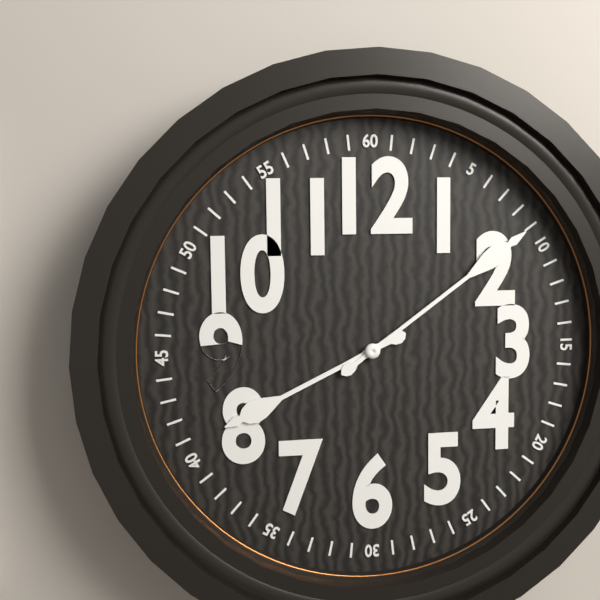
8:09
